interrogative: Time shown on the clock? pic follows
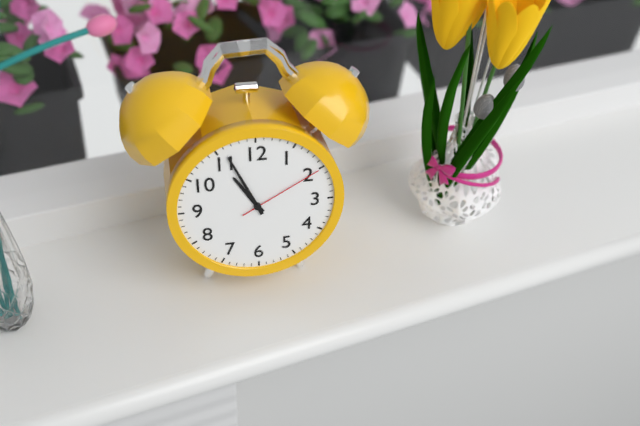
10:56:10
